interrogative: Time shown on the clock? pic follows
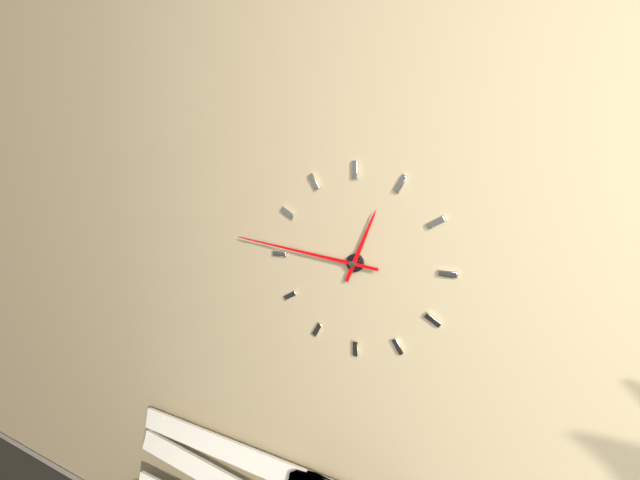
12:46
